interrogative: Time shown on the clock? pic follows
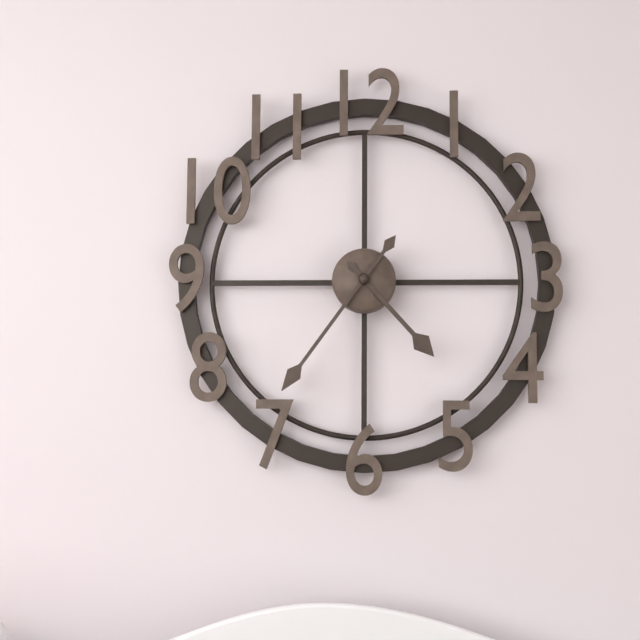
4:36
